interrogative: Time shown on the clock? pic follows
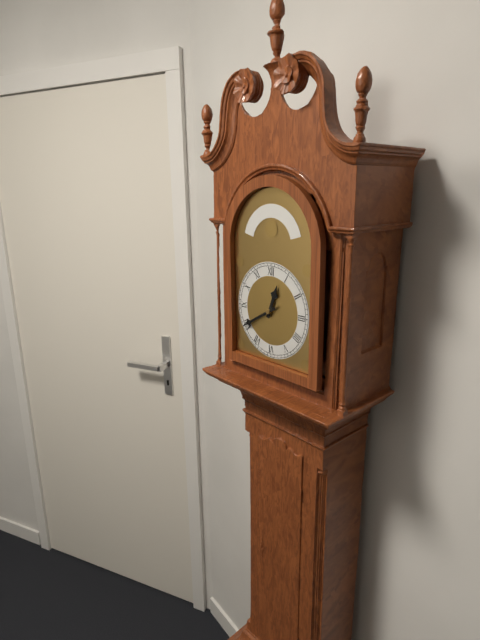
12:40
